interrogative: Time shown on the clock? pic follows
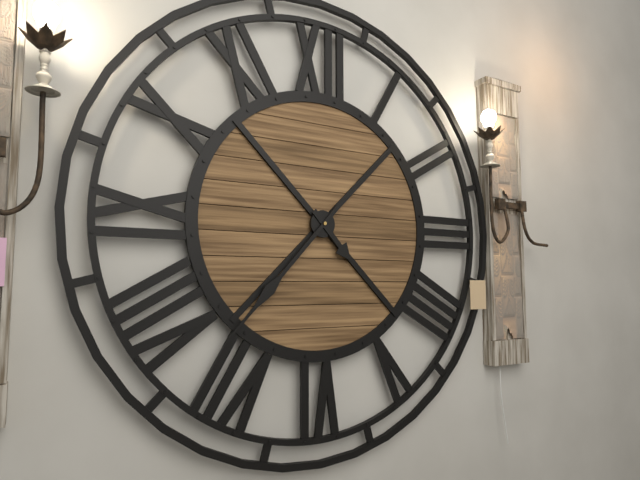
4:37
